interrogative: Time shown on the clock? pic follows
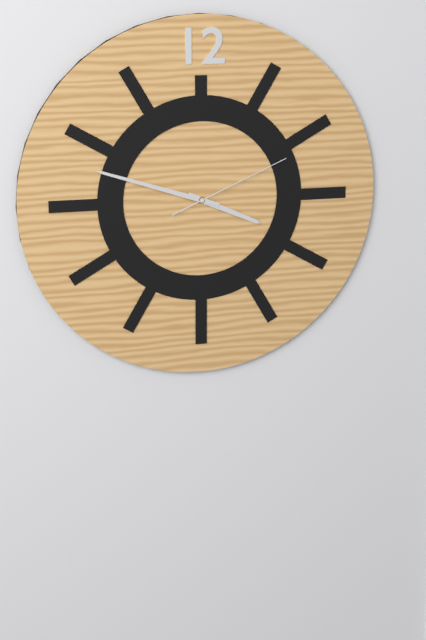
3:48:11
